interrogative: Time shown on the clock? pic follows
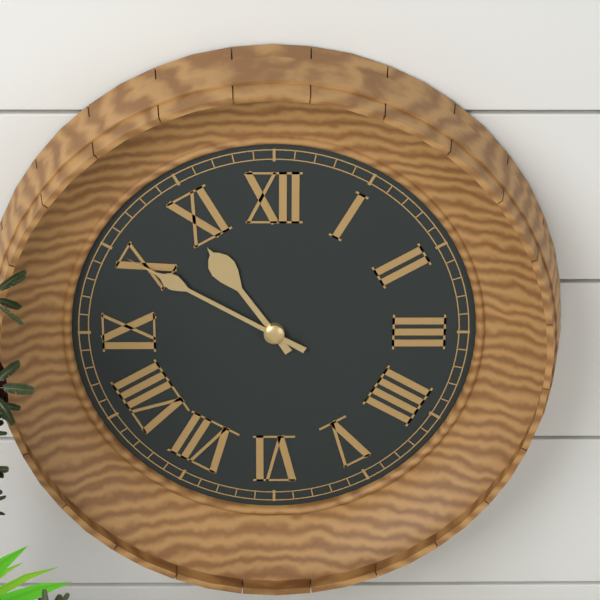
10:50
